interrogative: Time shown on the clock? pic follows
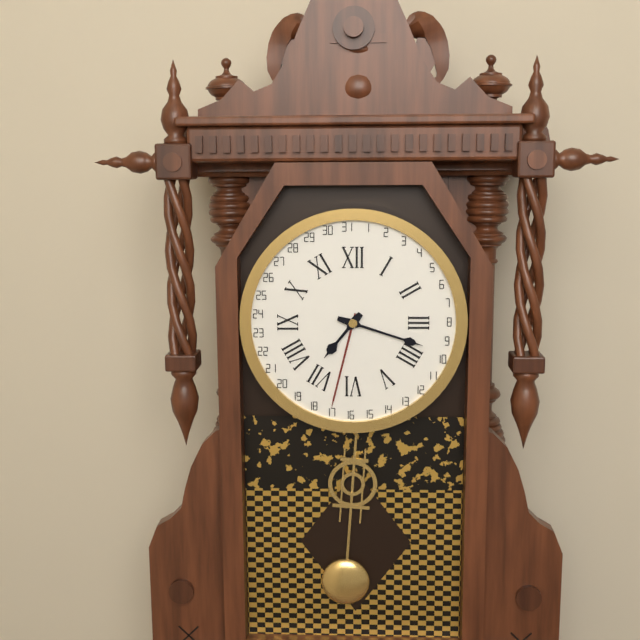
7:18
